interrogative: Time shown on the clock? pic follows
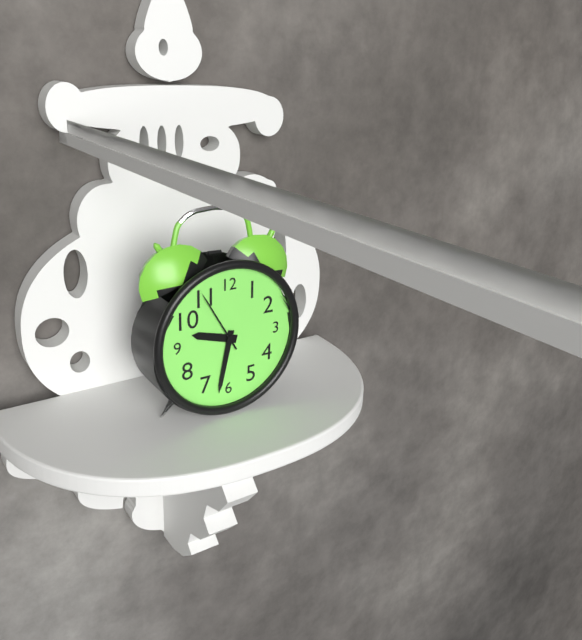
9:32:55
